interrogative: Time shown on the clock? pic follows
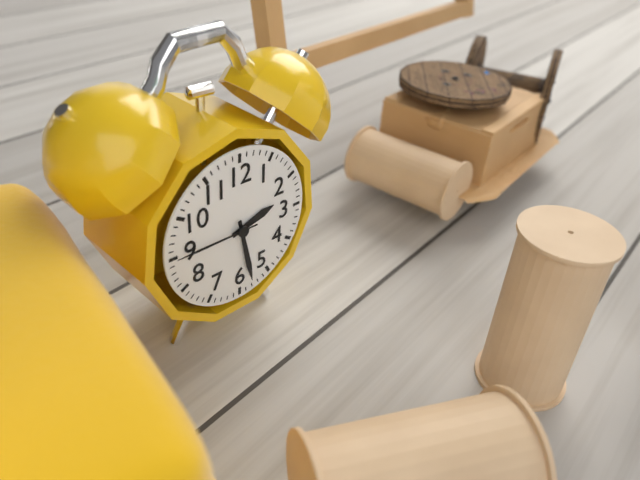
2:28:45
